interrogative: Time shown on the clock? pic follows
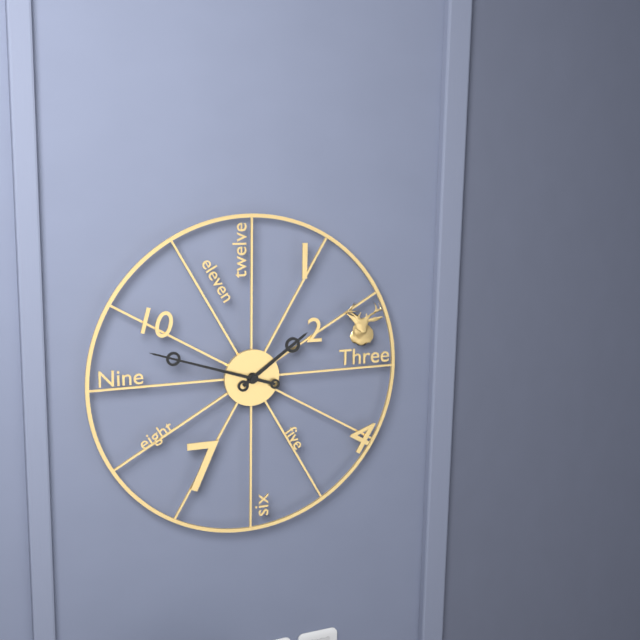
1:48
